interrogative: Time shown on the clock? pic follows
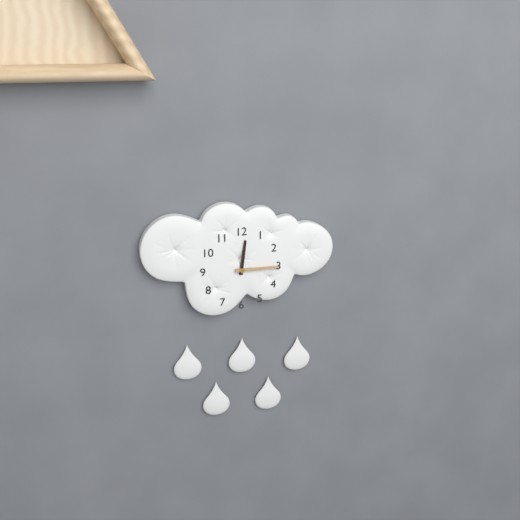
12:15
